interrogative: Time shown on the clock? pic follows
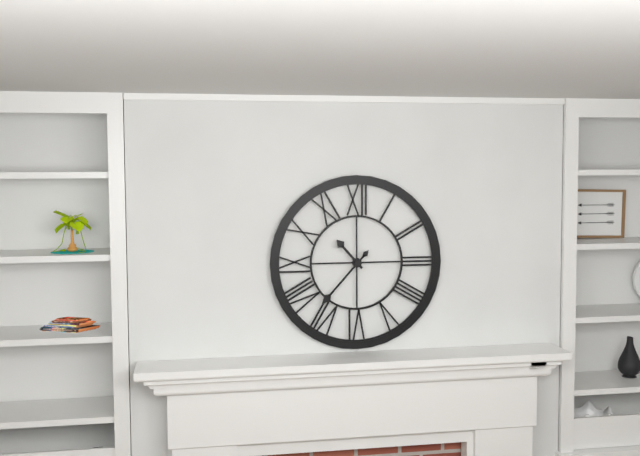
10:37
